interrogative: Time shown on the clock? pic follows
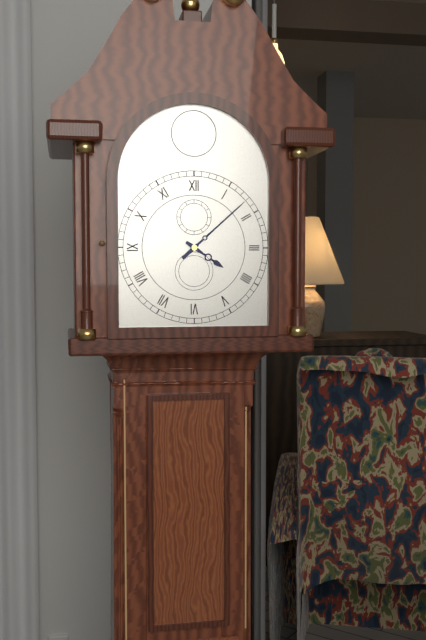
4:08
